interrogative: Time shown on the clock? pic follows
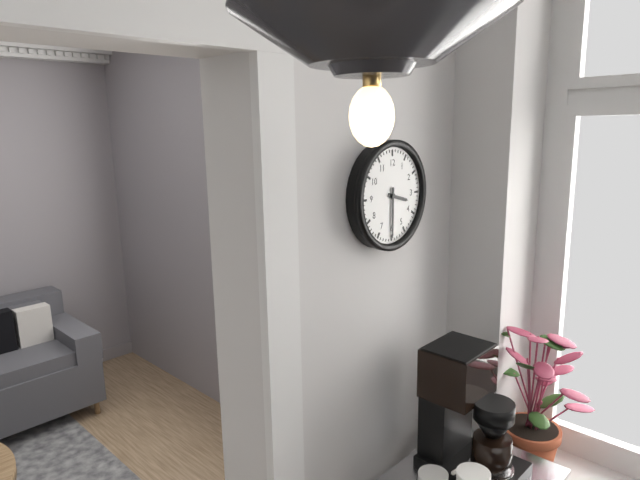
3:30
